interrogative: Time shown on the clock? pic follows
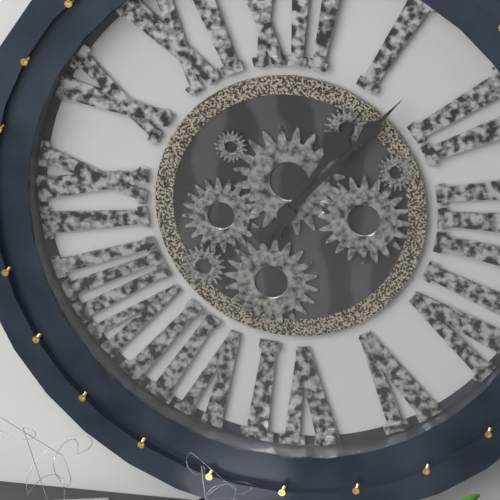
1:07
